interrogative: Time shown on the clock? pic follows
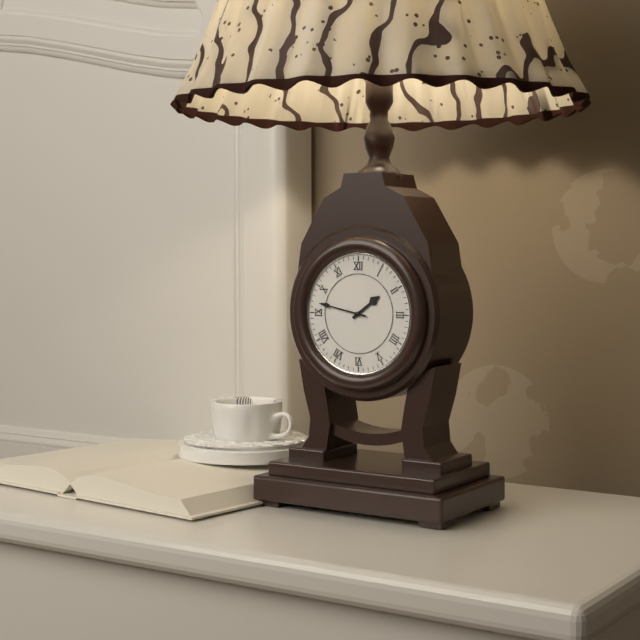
1:47
